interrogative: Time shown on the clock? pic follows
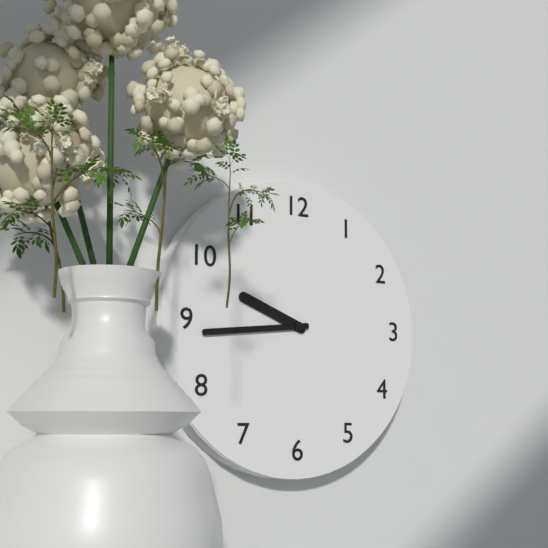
9:44
